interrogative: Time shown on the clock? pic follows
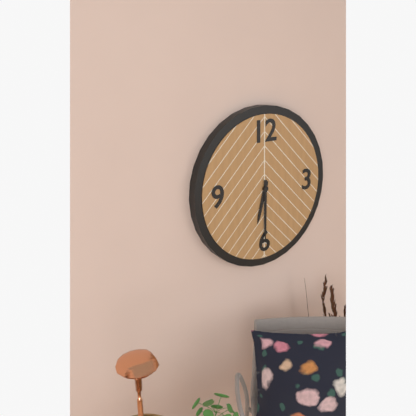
6:30
